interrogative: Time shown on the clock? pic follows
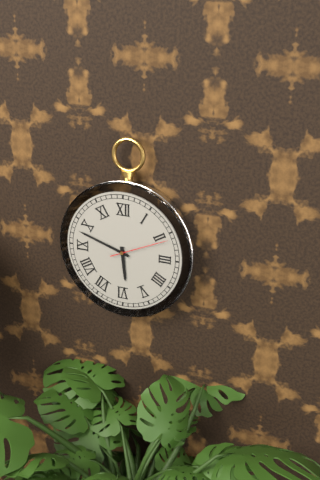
5:48:11
